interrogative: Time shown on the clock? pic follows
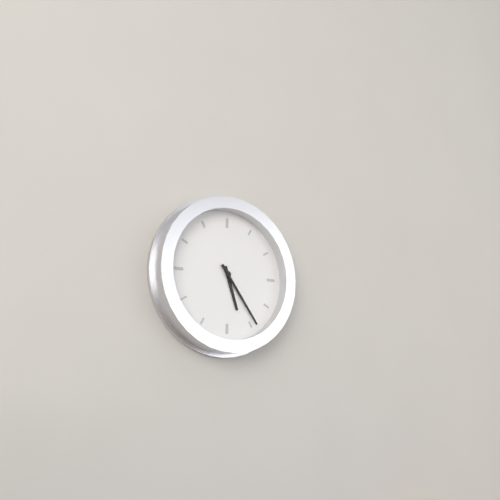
5:24
